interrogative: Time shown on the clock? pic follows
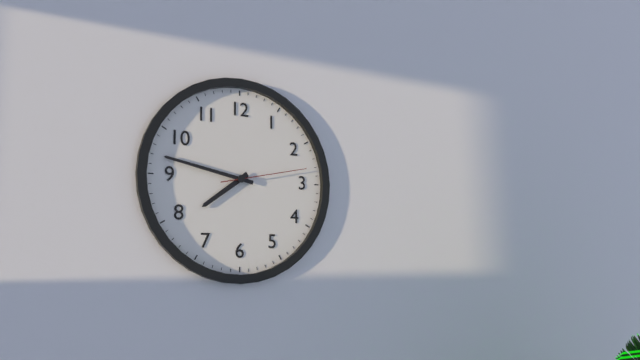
7:47:13
